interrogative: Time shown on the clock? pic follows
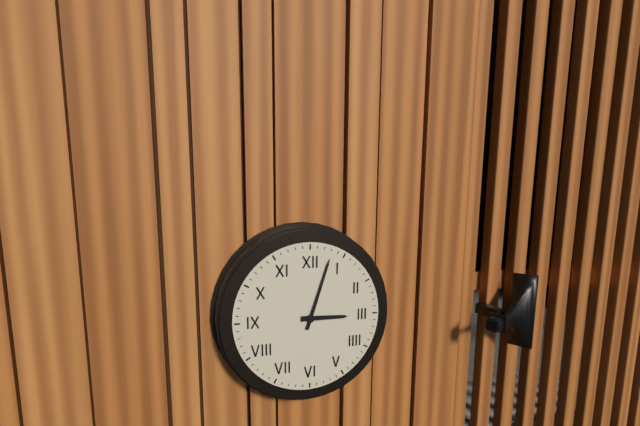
3:03
